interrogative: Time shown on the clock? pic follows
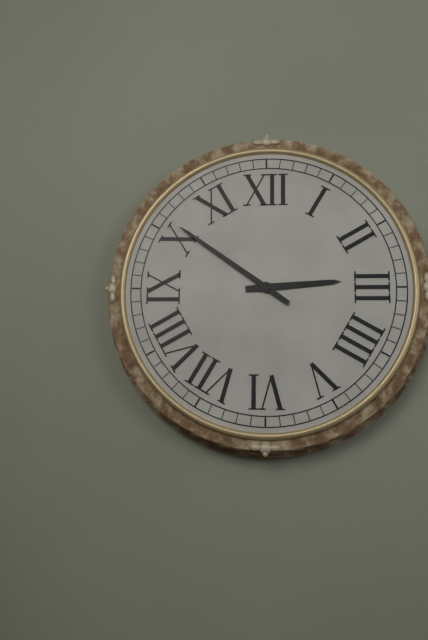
2:51
